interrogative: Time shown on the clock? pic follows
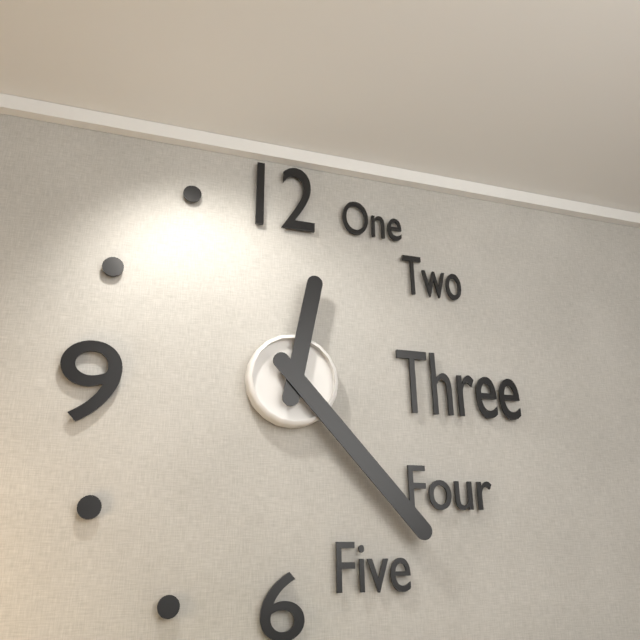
12:23
